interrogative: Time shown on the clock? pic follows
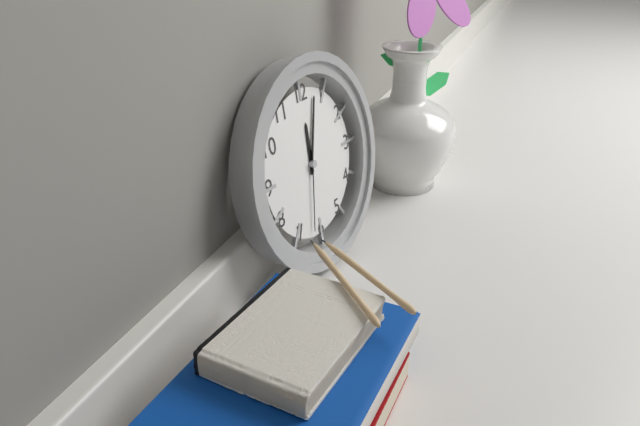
12:03:32
